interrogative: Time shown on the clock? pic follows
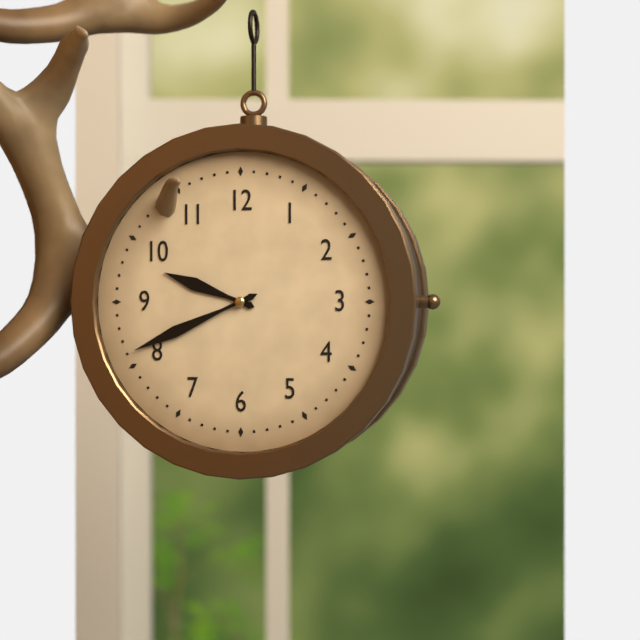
9:41
